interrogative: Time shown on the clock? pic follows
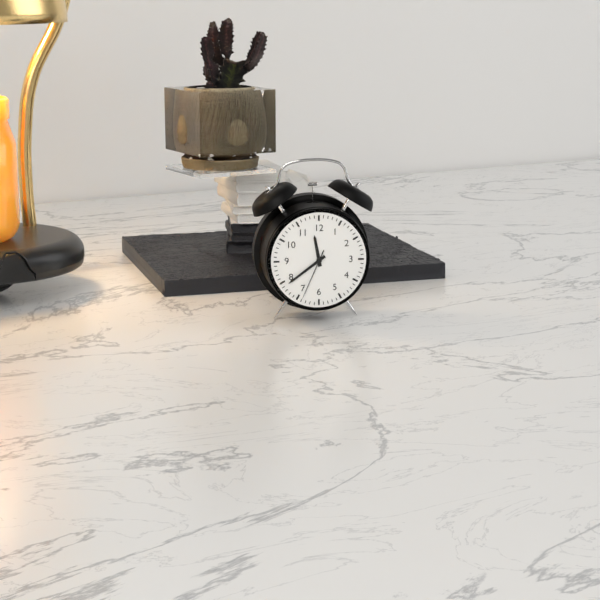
11:39:34
